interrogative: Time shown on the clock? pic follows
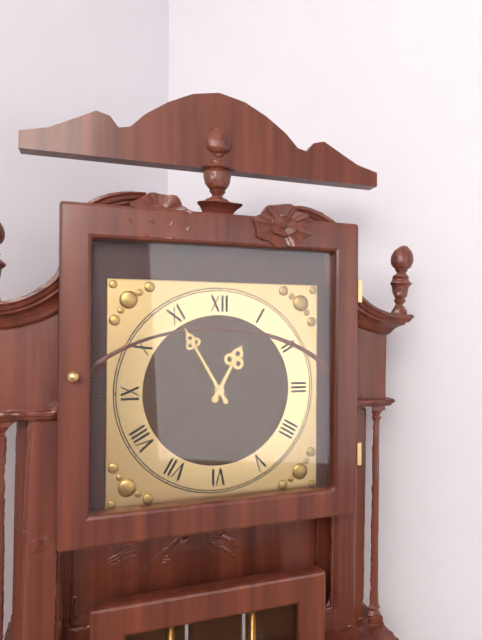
12:55
